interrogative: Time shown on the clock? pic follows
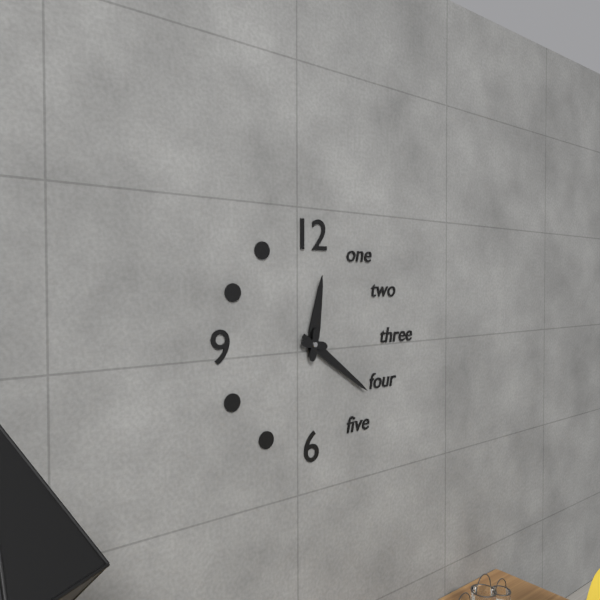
12:21
